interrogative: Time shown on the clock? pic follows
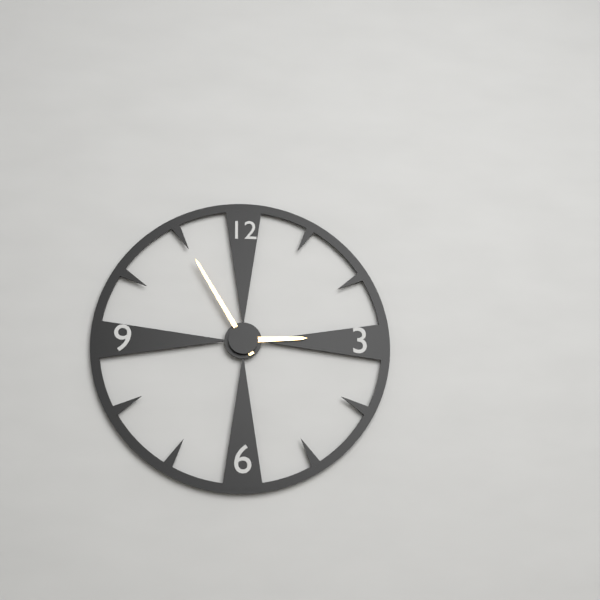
2:55
